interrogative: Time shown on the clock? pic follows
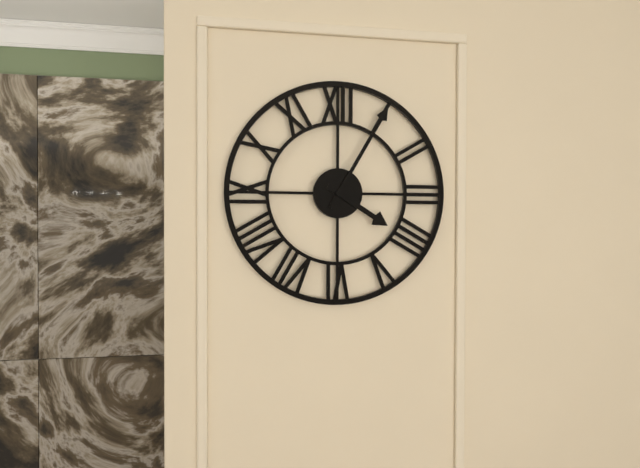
4:05
